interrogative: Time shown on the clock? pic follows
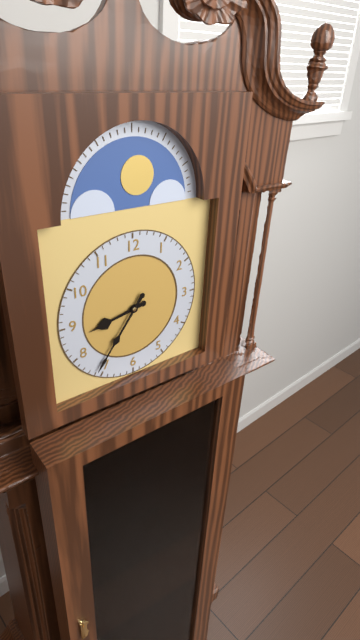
8:36
